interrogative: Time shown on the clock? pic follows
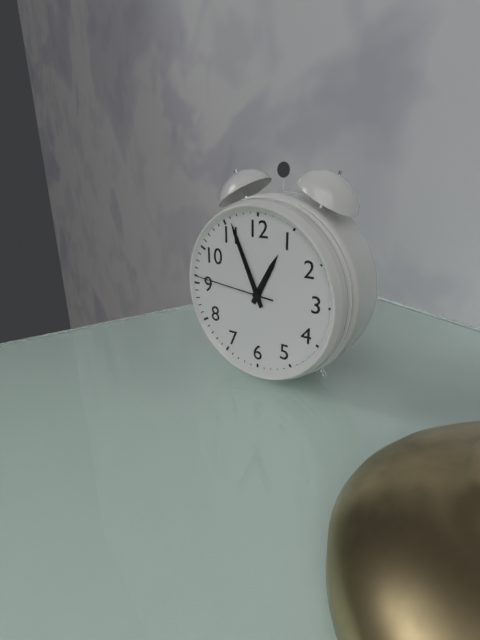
12:56:46
